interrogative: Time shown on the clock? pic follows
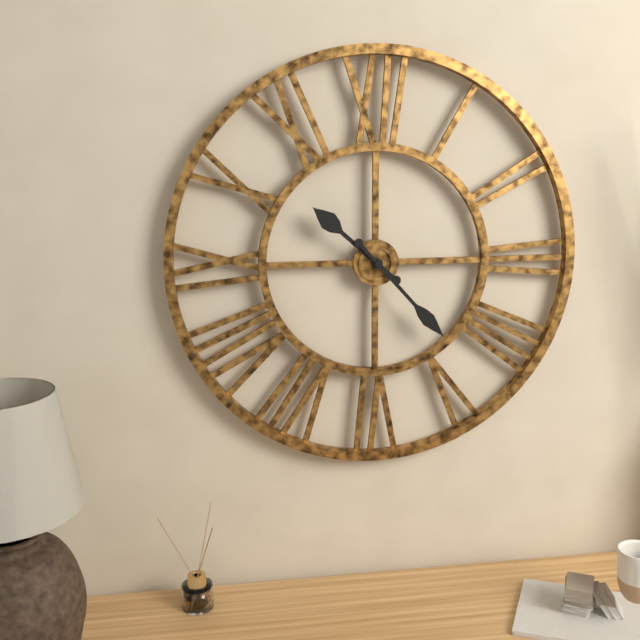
10:23
